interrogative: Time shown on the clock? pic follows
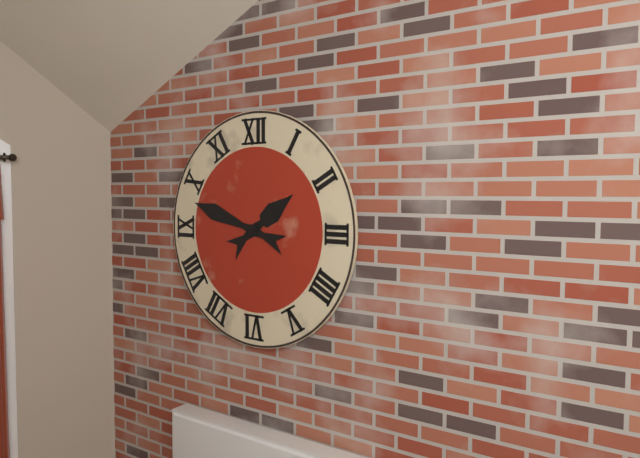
1:48
